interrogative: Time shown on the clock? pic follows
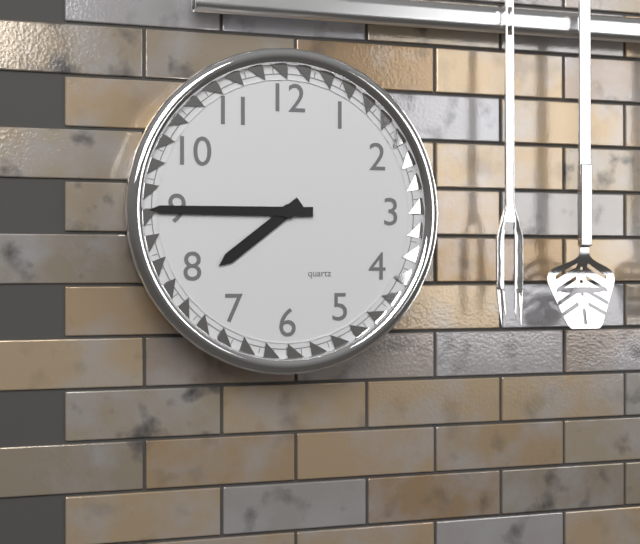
7:45
